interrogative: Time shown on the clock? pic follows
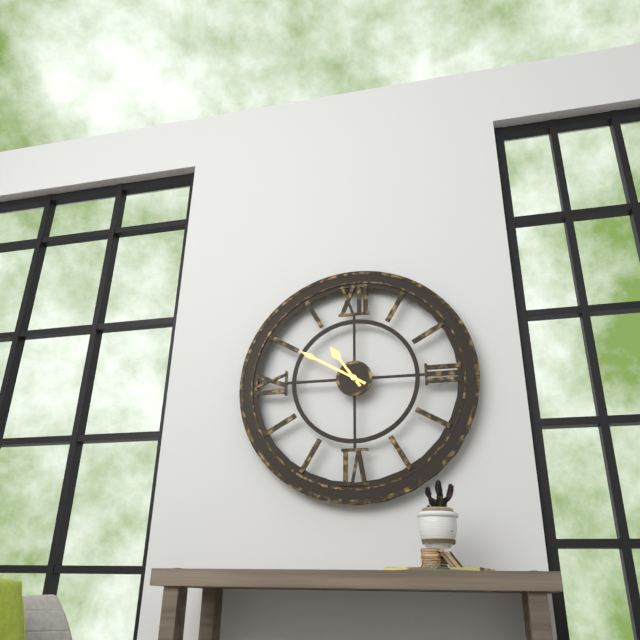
10:50
